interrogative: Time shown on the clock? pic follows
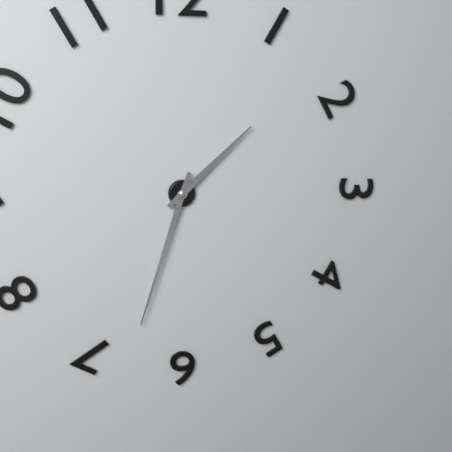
1:33
